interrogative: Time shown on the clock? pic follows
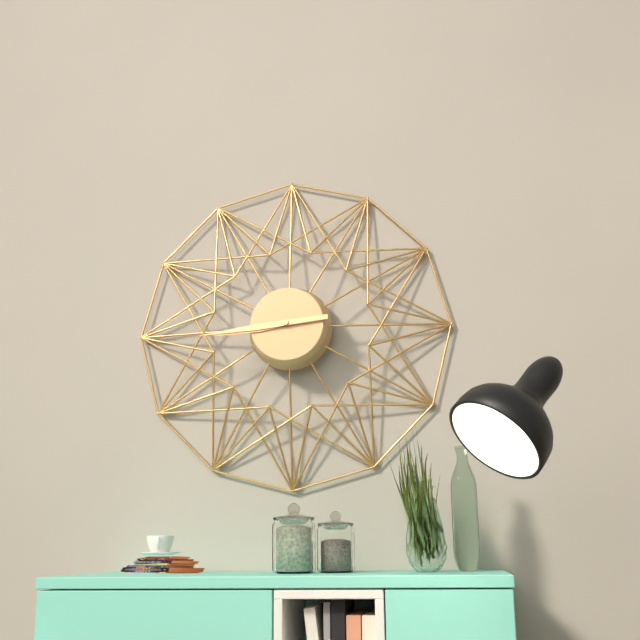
8:44
